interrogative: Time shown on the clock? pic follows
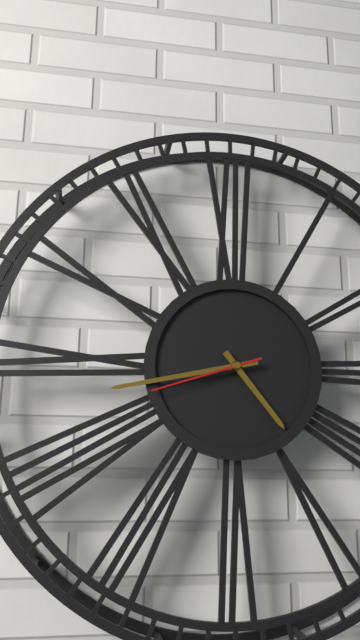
4:43:42
